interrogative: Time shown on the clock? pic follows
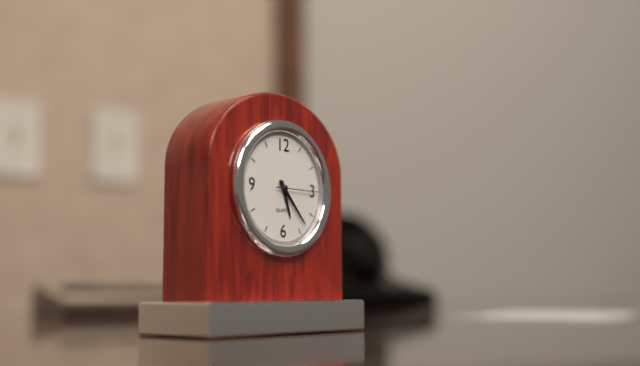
5:23
